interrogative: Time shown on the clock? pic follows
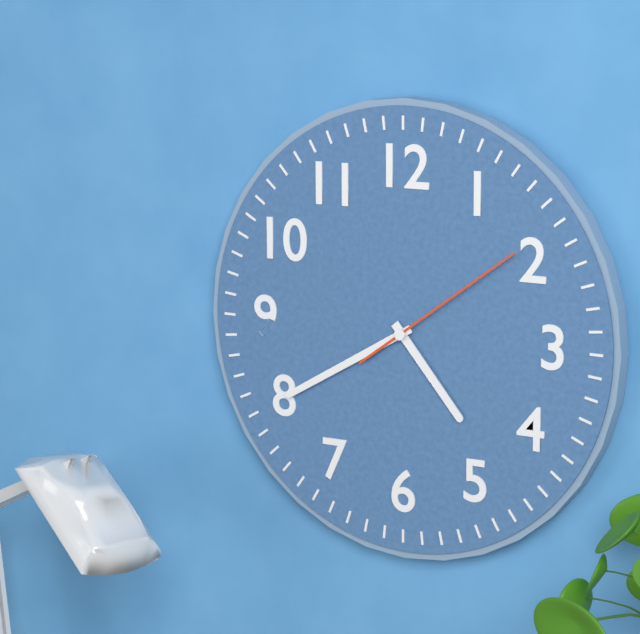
4:40:09
